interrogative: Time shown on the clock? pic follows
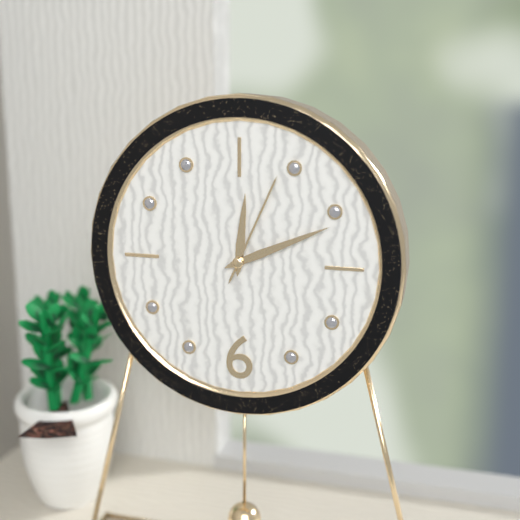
12:11:04
